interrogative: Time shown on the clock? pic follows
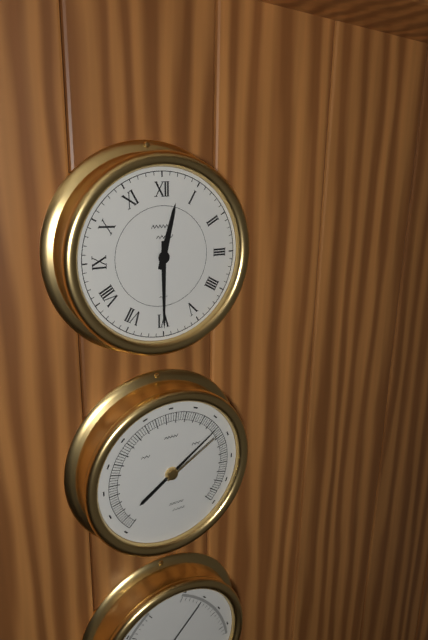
12:30
